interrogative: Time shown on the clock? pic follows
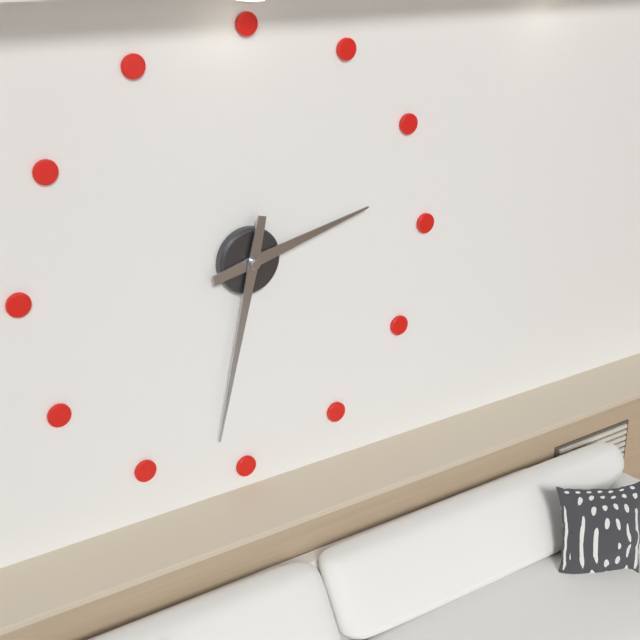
2:32
